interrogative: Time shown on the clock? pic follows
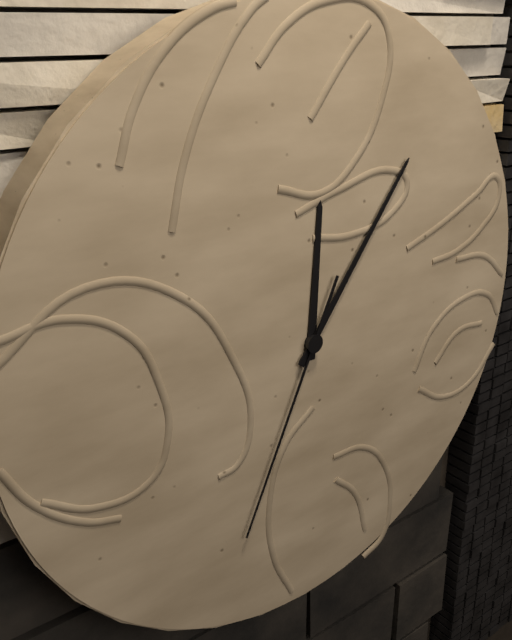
12:06:34
